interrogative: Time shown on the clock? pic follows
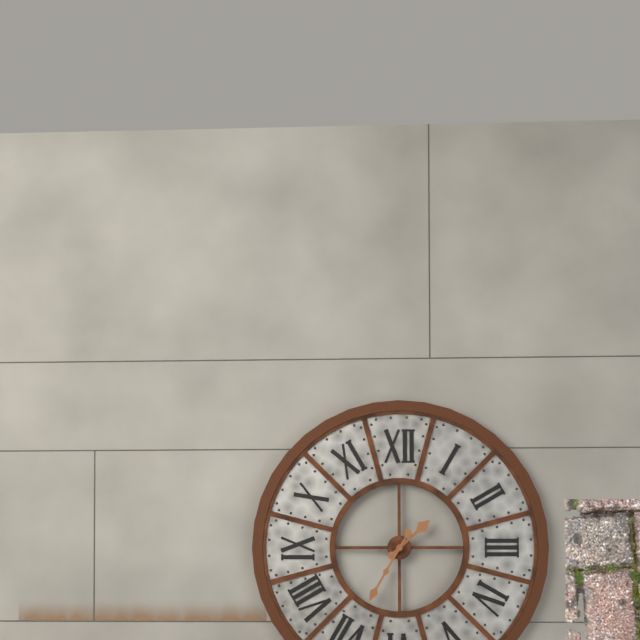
1:35
